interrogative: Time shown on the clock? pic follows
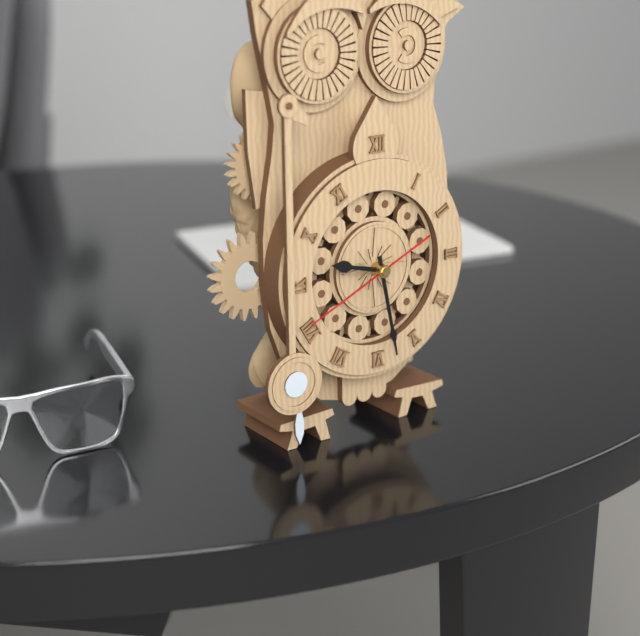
9:28:41
